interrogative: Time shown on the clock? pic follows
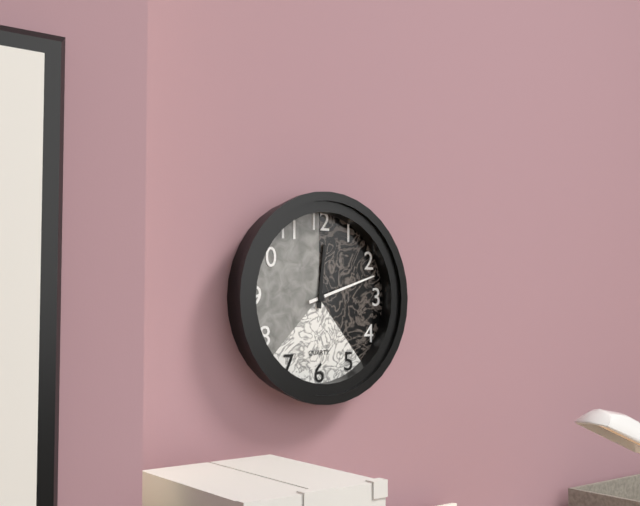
12:12
